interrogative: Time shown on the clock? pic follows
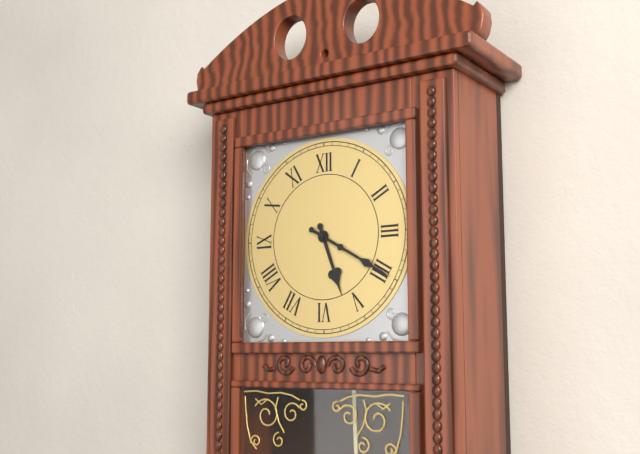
5:20
